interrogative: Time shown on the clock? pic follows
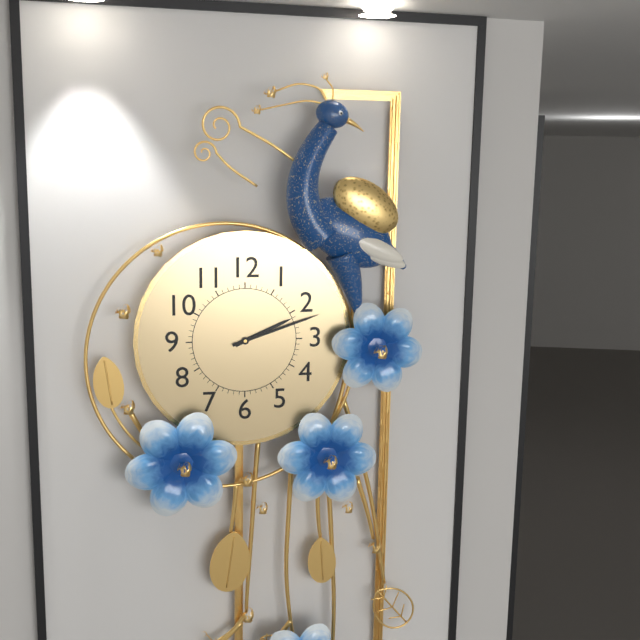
2:12
